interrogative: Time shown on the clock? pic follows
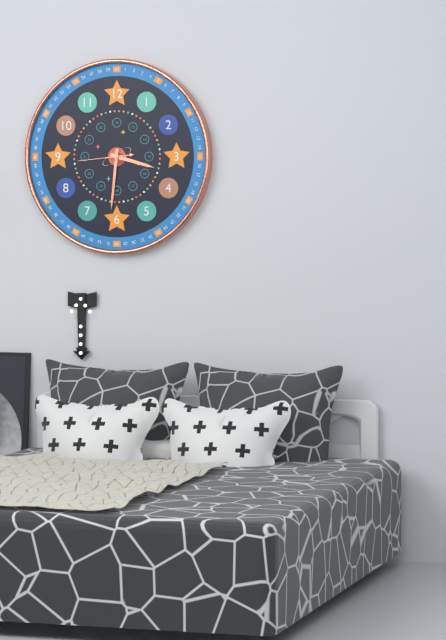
3:31:44
